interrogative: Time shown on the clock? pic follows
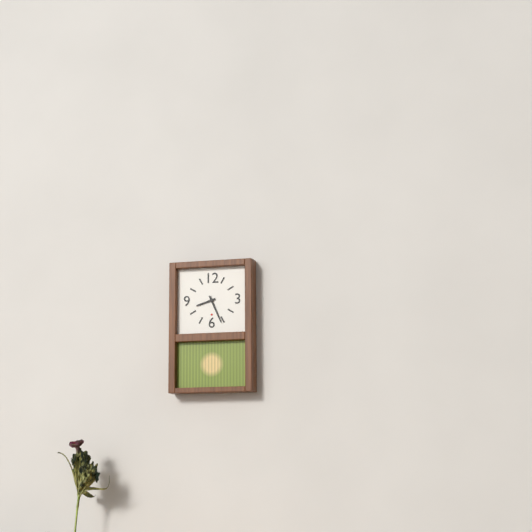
8:26
